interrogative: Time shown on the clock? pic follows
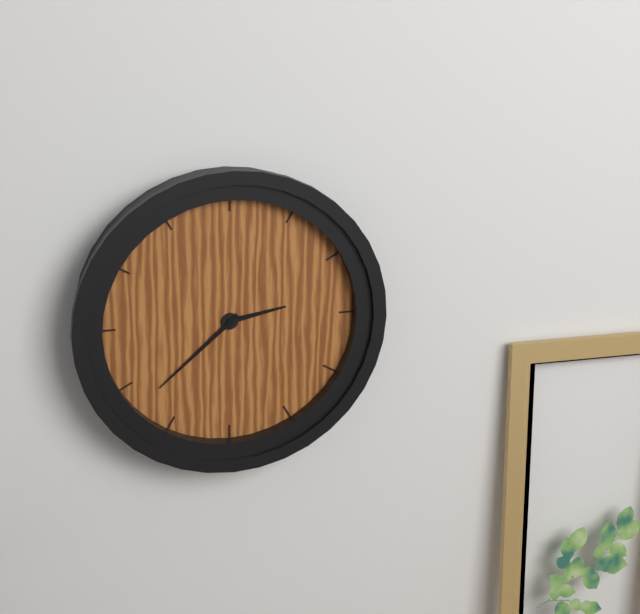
2:38
